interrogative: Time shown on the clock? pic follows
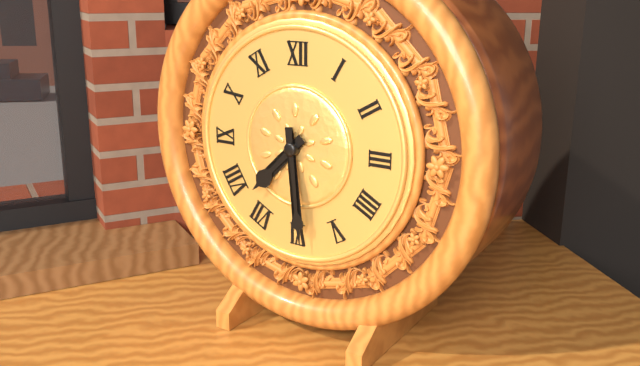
7:29
